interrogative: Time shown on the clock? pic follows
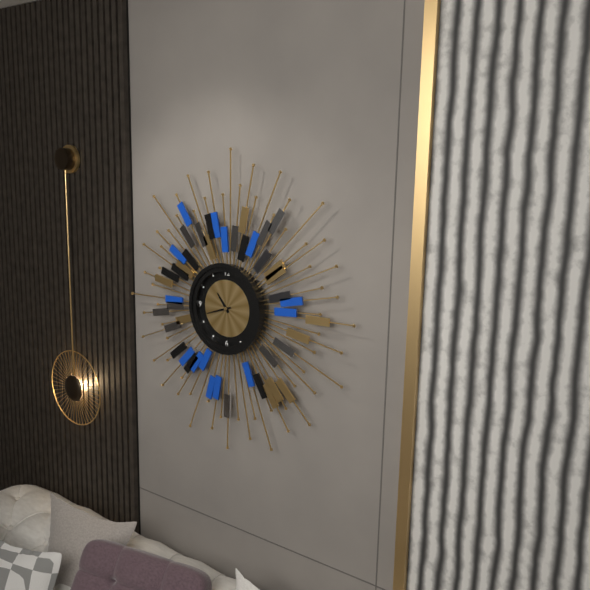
10:42
